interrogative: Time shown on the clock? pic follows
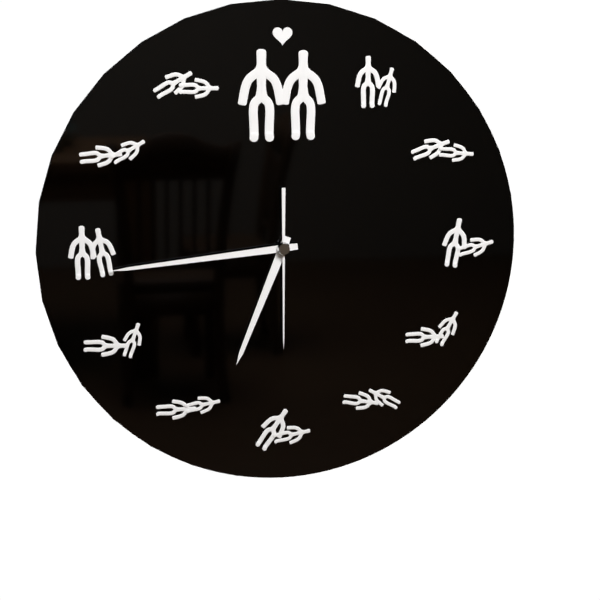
6:44:30
